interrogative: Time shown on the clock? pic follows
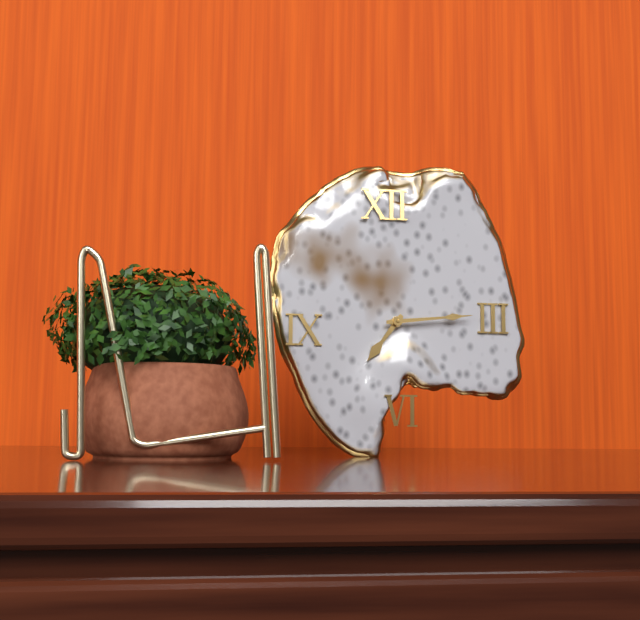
7:14
